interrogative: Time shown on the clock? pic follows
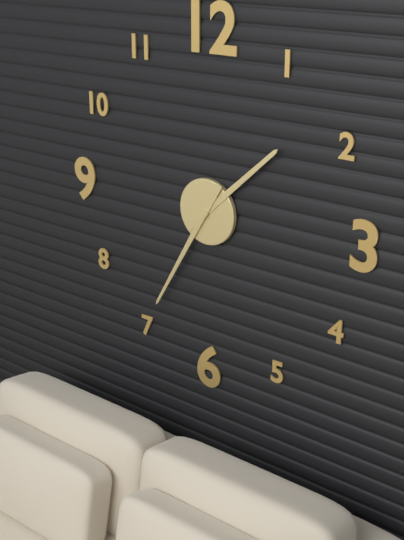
1:35
